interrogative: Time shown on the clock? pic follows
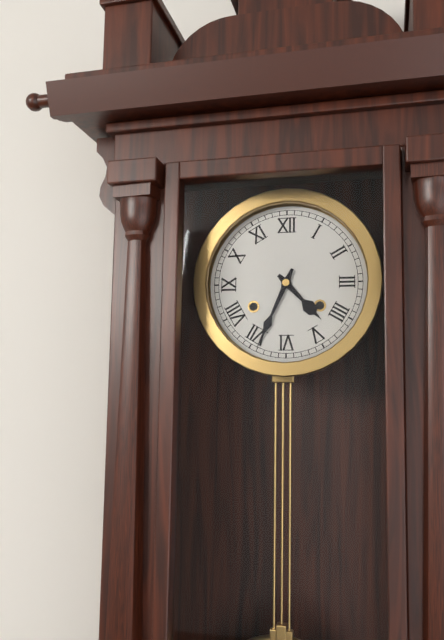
4:34
